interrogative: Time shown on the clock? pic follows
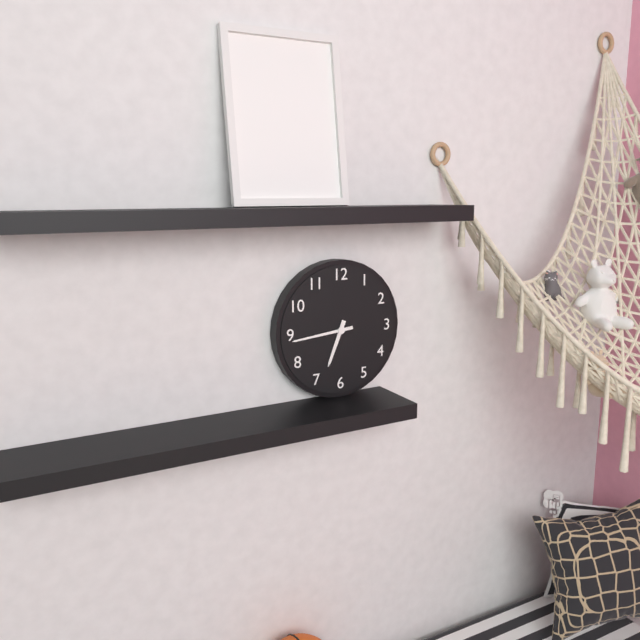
6:44
